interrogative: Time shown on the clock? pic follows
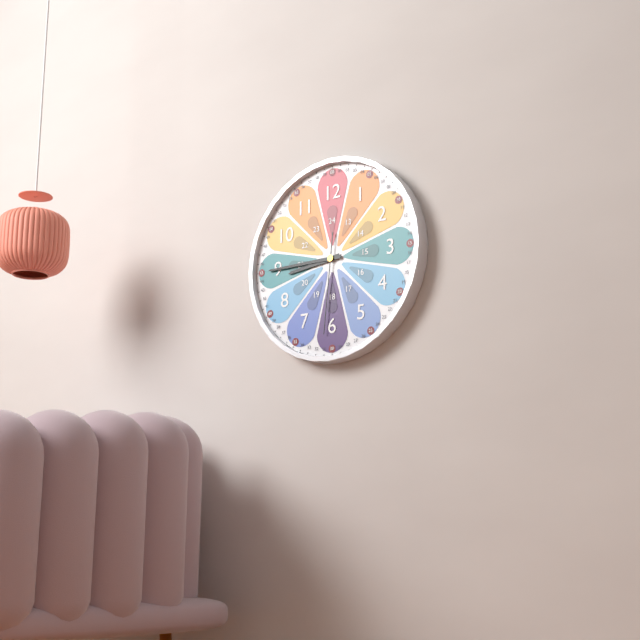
8:45:31
